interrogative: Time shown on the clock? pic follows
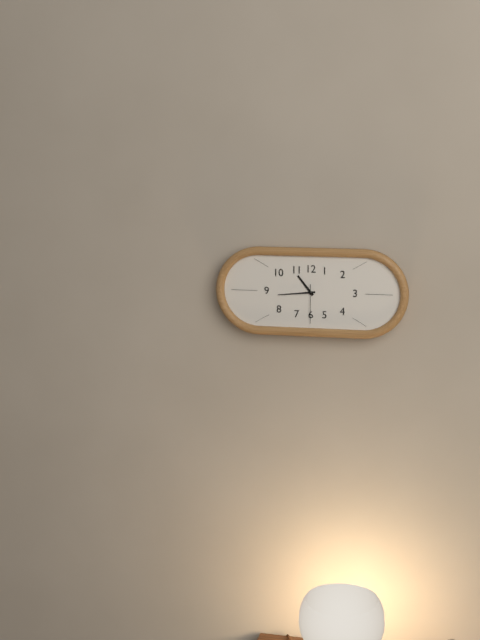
10:44
